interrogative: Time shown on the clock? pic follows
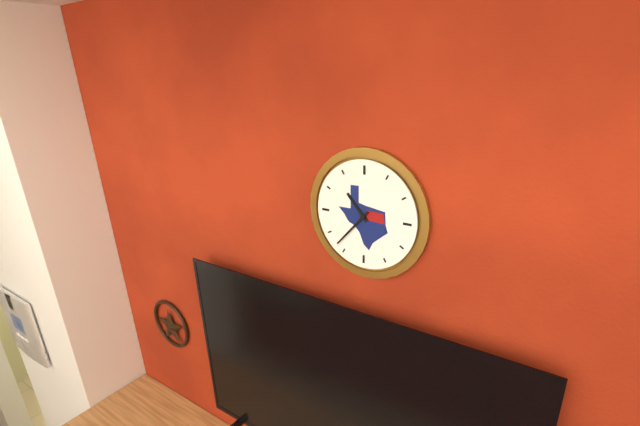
10:37
